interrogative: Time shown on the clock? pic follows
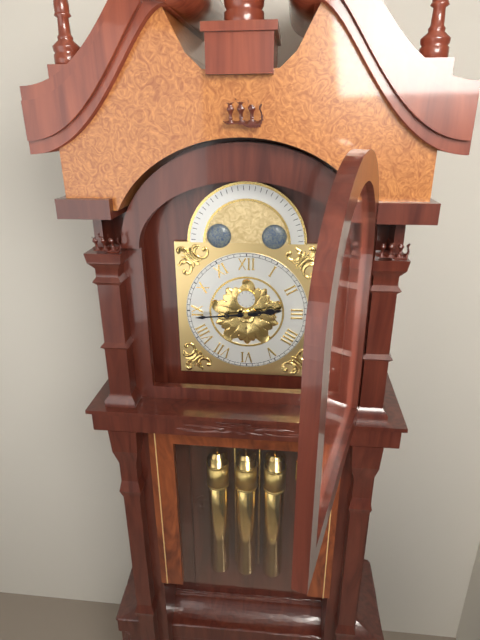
2:44
